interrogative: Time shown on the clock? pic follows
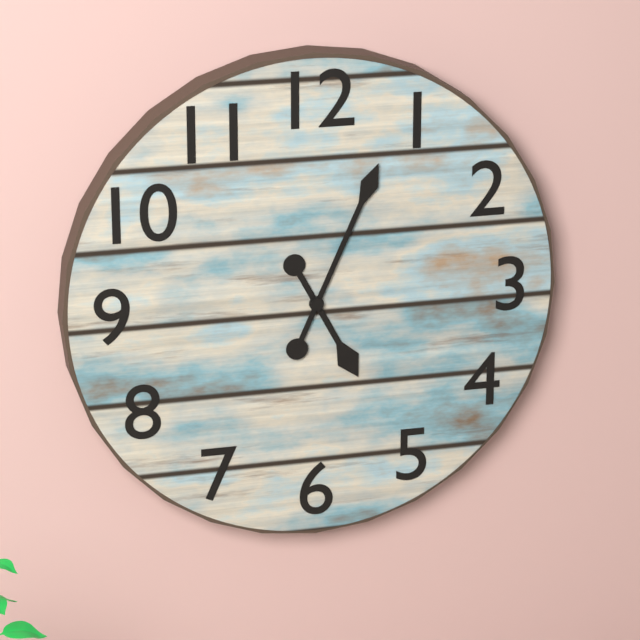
5:04
